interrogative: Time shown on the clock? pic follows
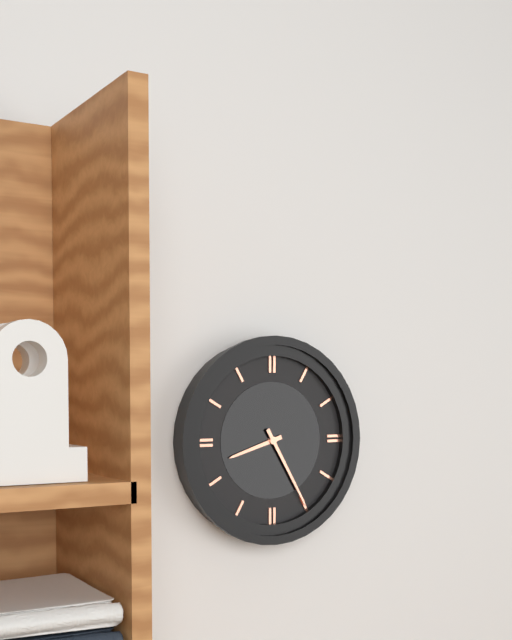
8:25
